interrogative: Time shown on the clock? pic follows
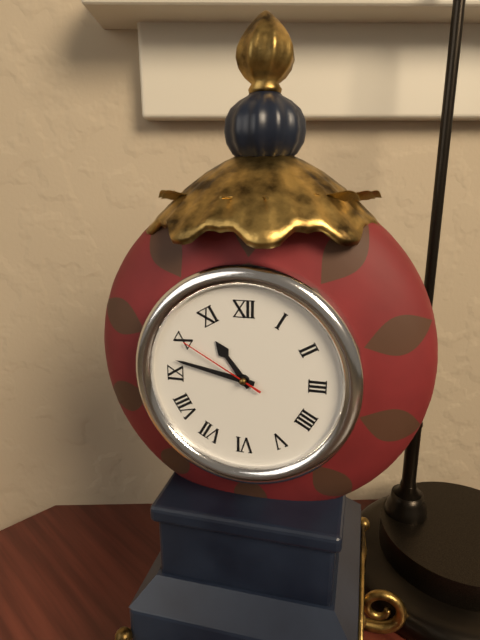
10:47:50
